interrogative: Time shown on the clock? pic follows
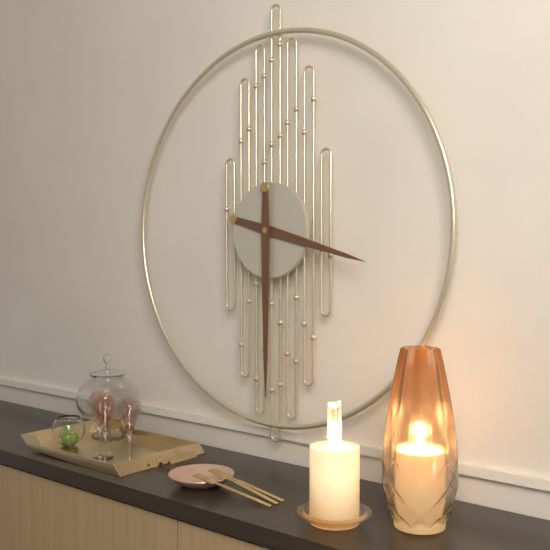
3:30
